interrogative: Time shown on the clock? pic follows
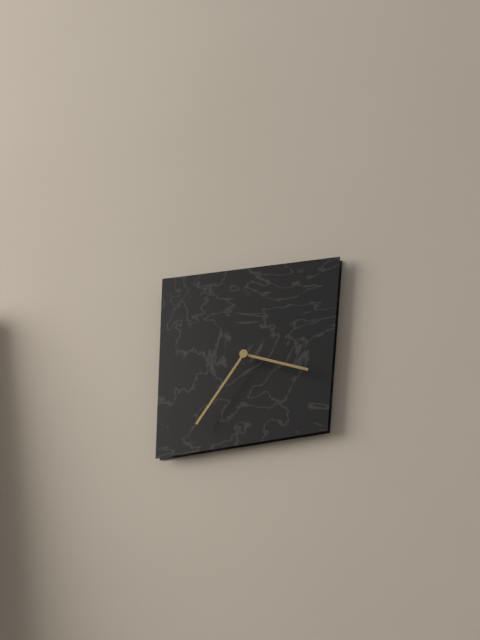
3:36
